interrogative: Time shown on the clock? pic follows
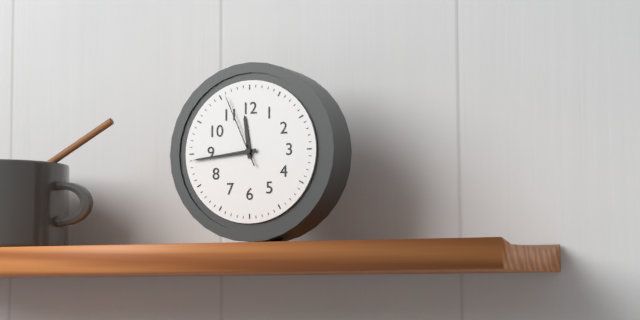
11:44:56
